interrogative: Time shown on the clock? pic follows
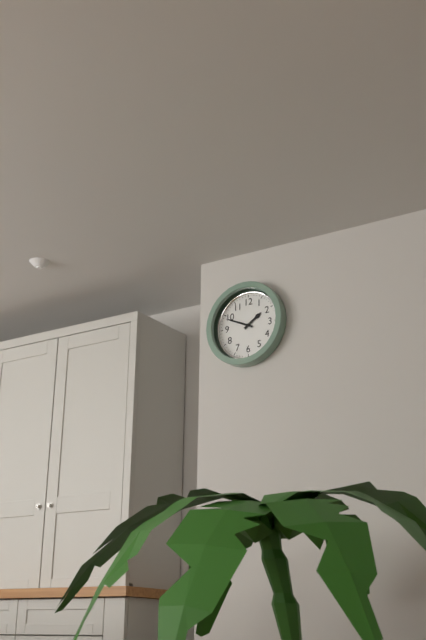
1:49
